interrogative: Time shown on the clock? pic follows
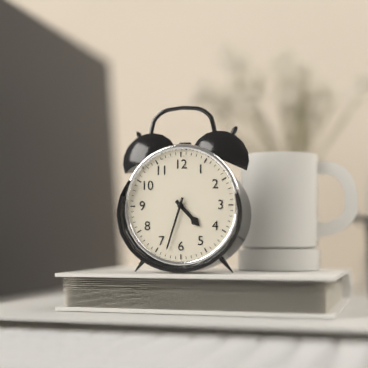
4:33
